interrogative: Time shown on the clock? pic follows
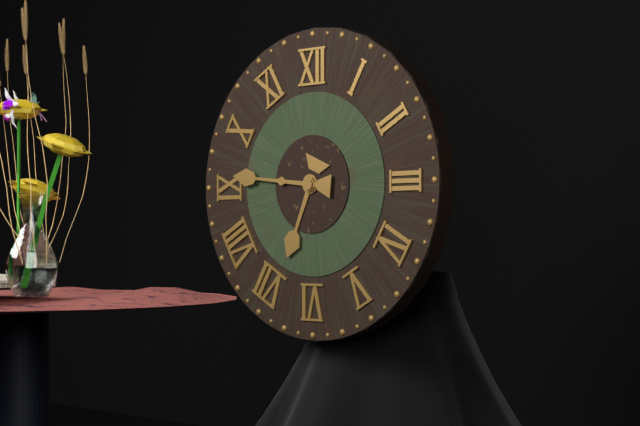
6:46
